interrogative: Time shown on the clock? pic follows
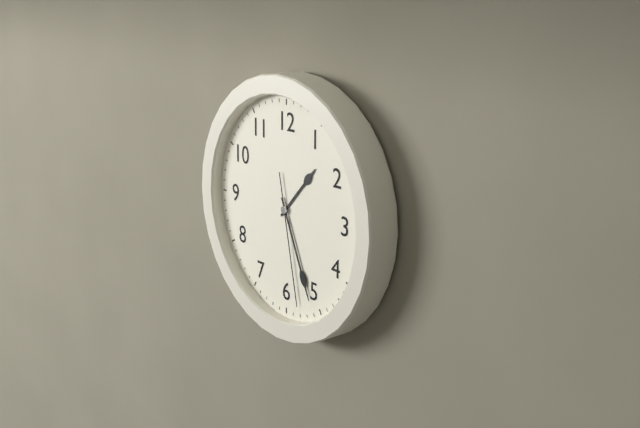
1:26:28
